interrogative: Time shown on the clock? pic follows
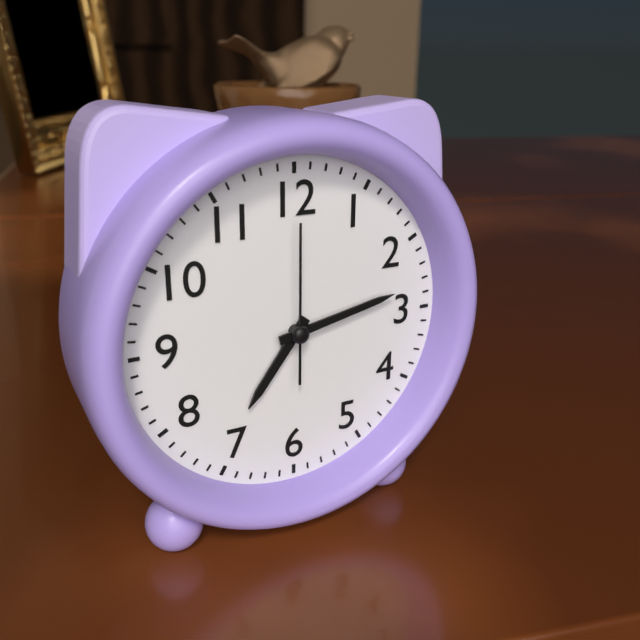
7:13:00
